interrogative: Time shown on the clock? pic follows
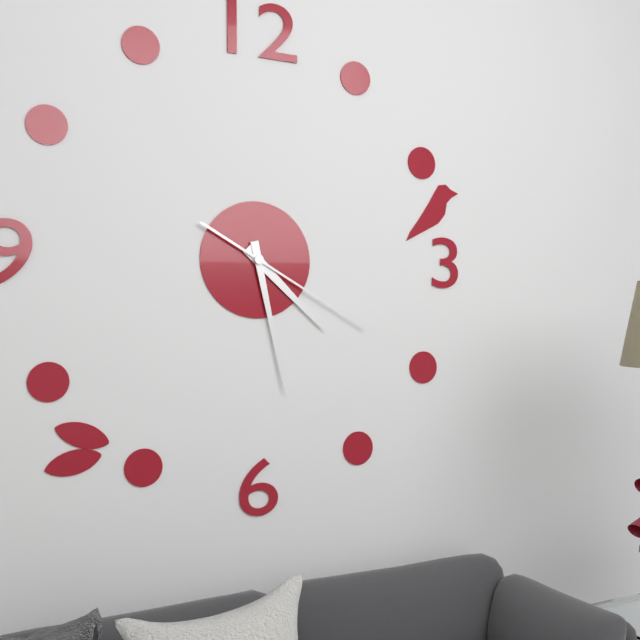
4:28:20
